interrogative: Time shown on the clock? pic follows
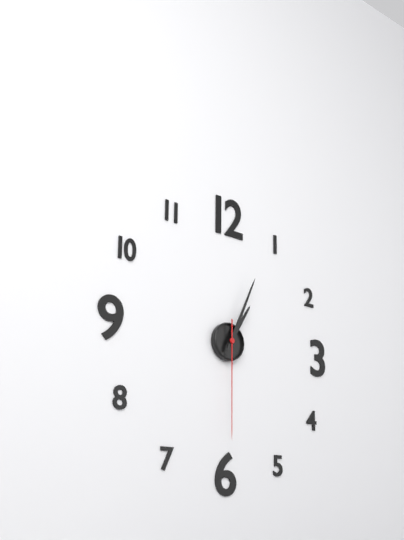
1:04:30
